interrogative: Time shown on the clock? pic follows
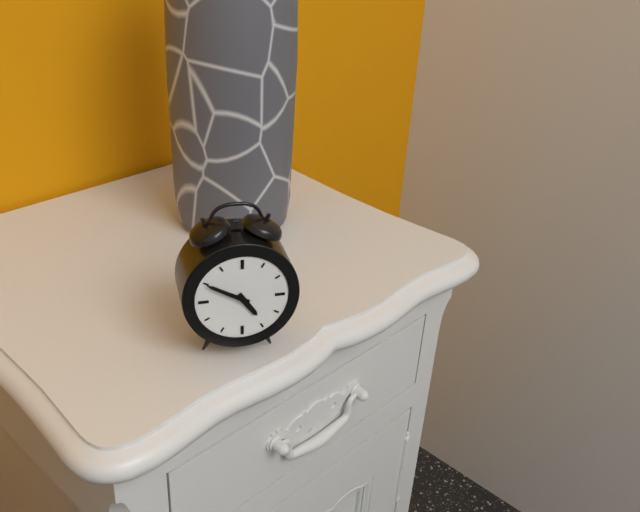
4:50
